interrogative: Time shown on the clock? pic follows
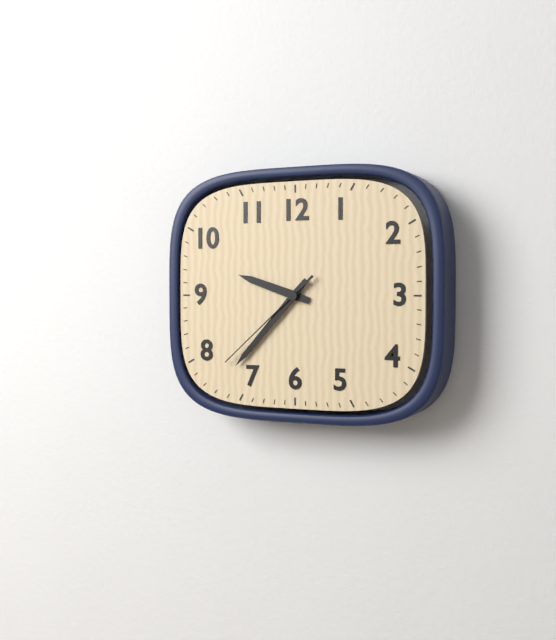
9:37:38
